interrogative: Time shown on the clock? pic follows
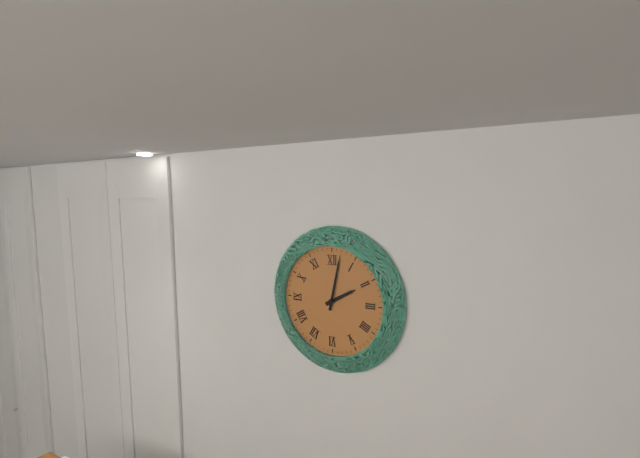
2:02
